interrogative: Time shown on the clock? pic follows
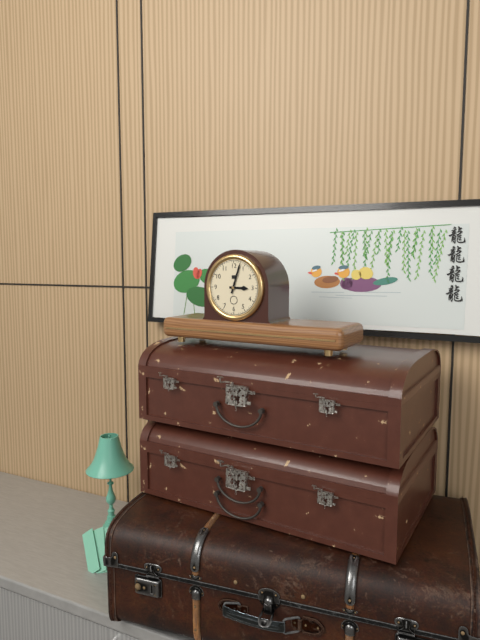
3:03
